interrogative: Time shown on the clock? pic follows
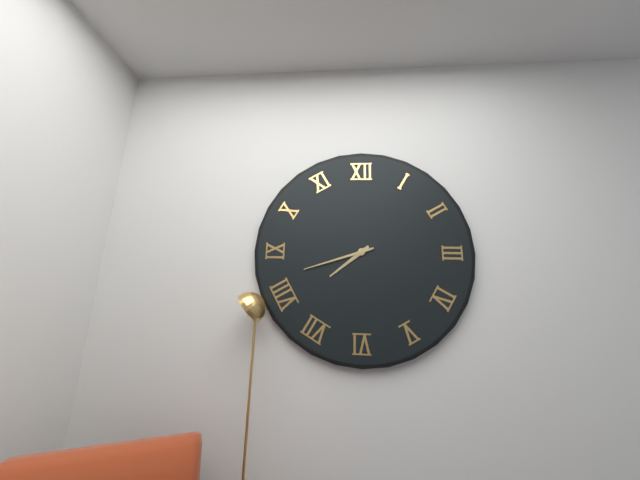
7:42
